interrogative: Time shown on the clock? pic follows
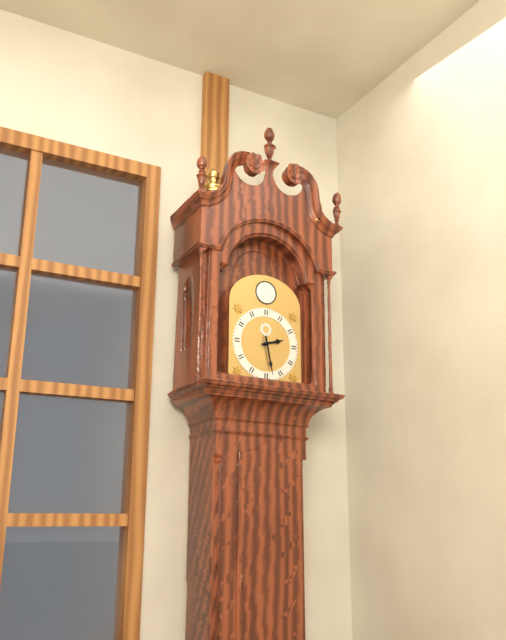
2:28
